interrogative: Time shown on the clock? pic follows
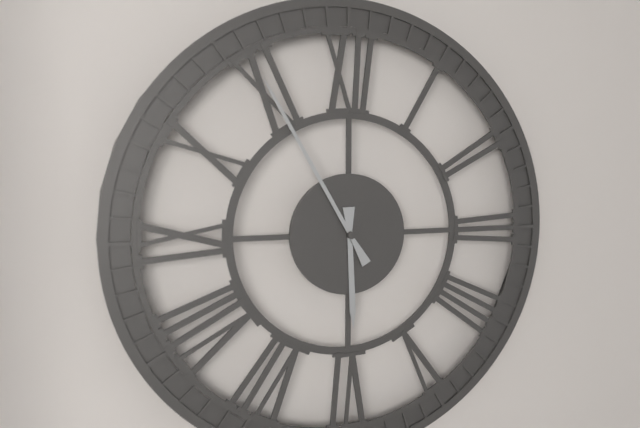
5:55
